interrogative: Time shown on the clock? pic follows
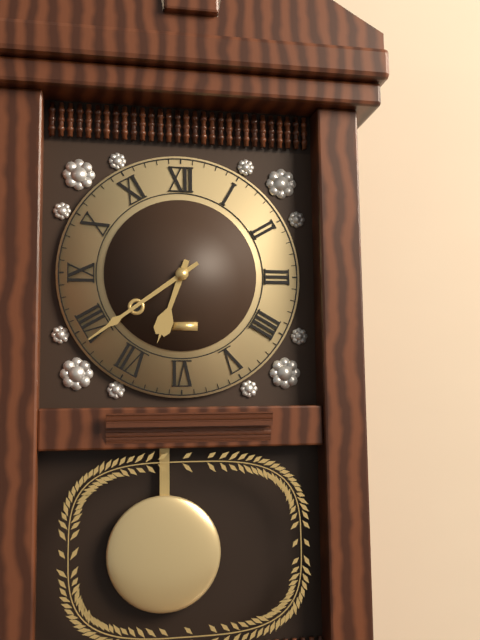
6:39
